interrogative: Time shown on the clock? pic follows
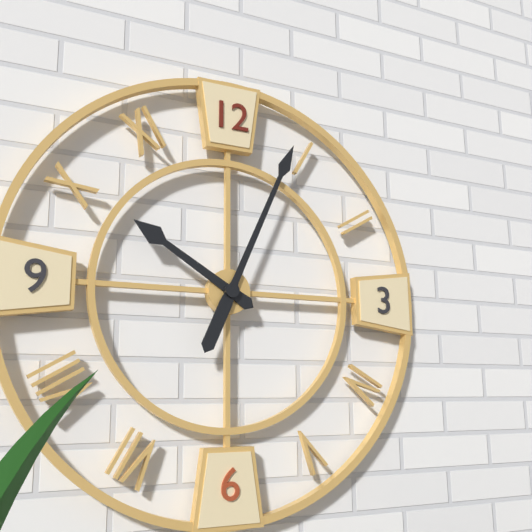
10:04
